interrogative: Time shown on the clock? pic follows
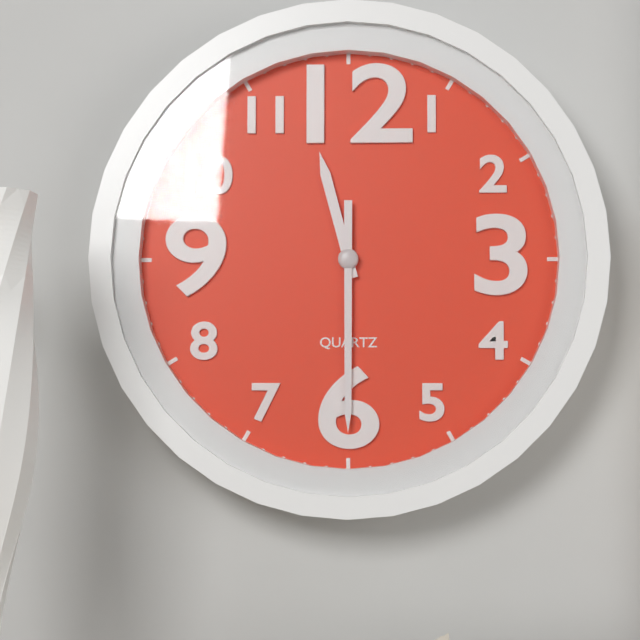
11:30
